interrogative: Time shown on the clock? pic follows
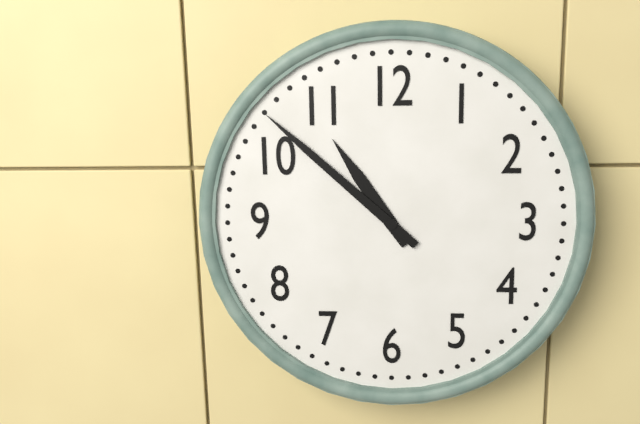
10:52
